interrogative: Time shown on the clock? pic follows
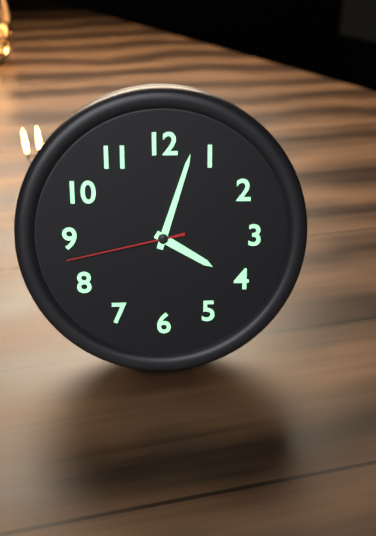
4:03:43
